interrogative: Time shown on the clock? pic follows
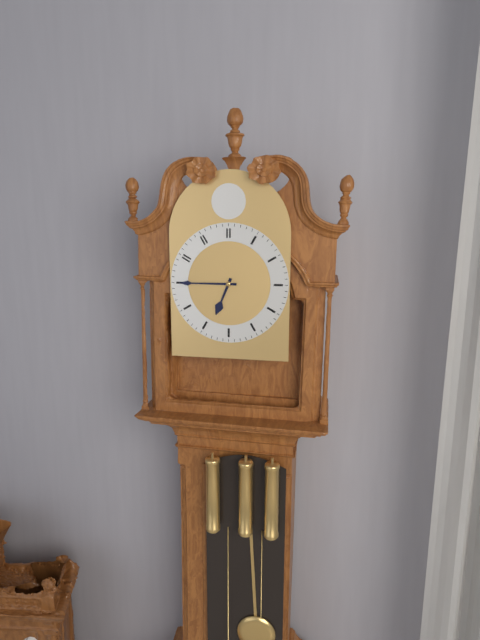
6:45
